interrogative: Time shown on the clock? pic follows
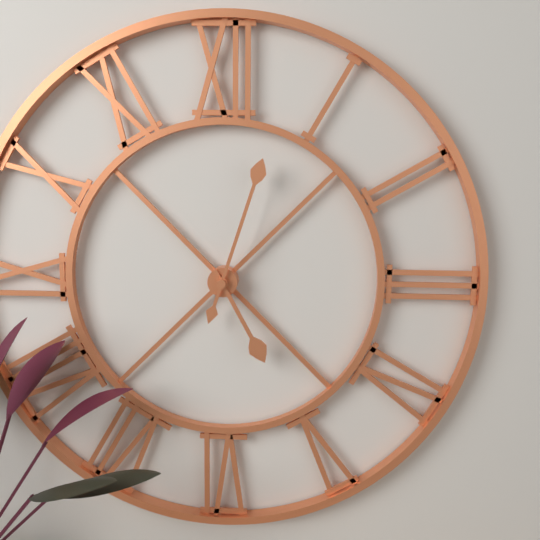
5:03
